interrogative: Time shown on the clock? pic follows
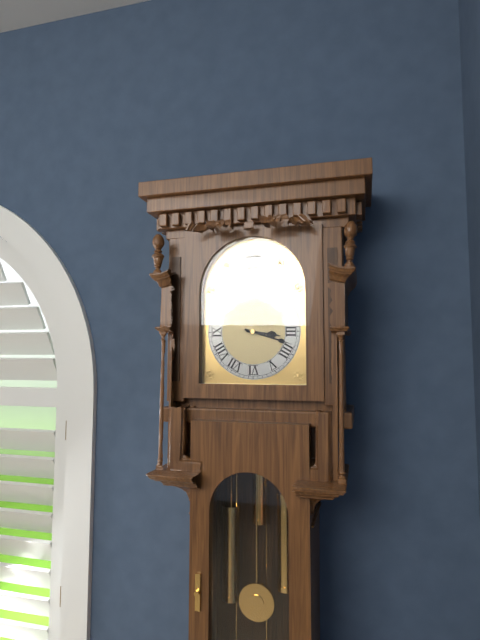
3:18
